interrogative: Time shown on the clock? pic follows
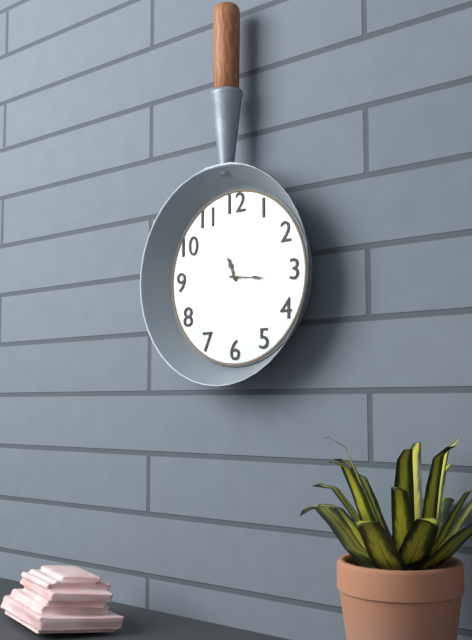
11:16
